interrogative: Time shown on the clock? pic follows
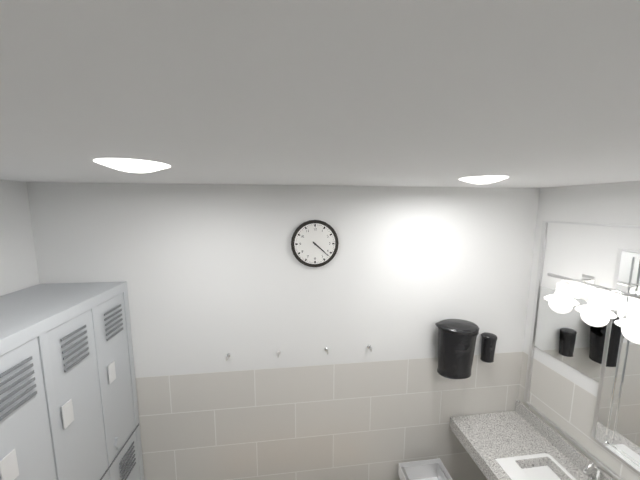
4:22
